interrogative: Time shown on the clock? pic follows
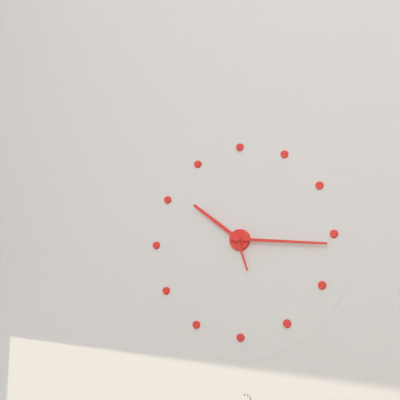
10:16
